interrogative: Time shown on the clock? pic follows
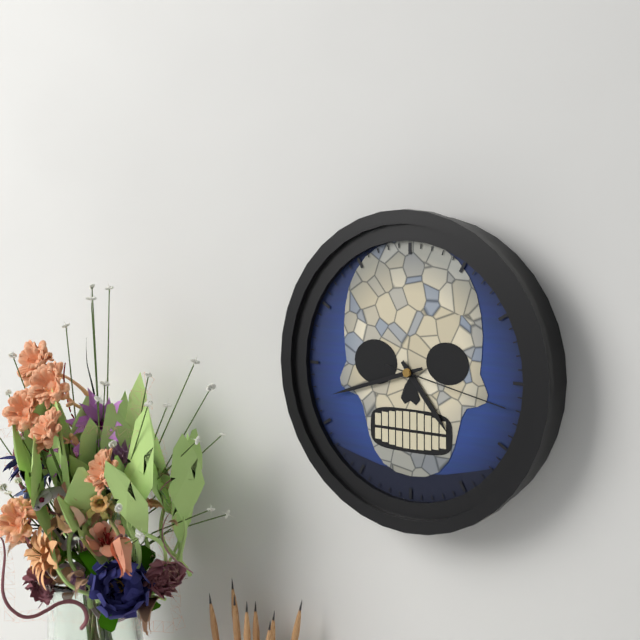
4:42:17
